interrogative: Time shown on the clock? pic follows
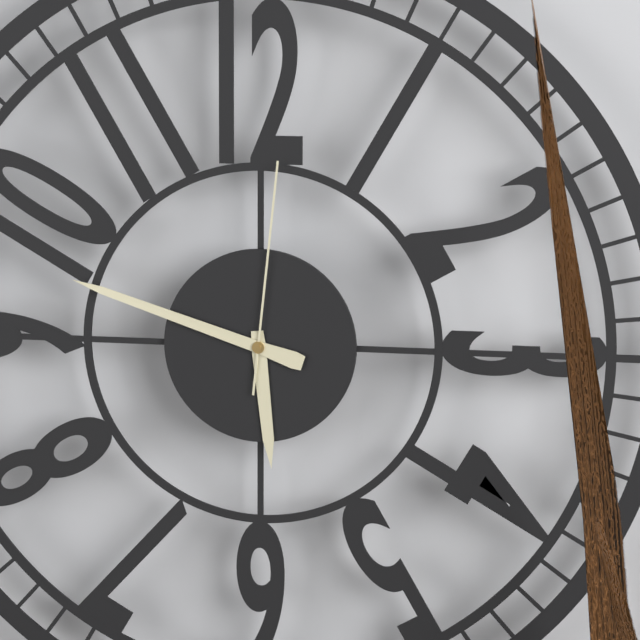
5:48:01
